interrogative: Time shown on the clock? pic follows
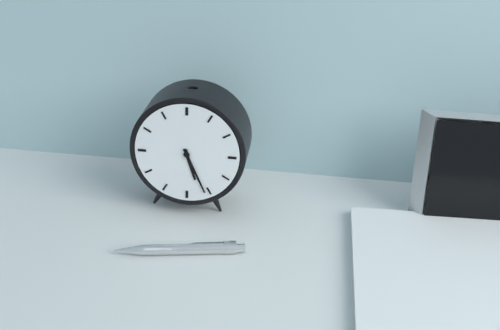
5:26
